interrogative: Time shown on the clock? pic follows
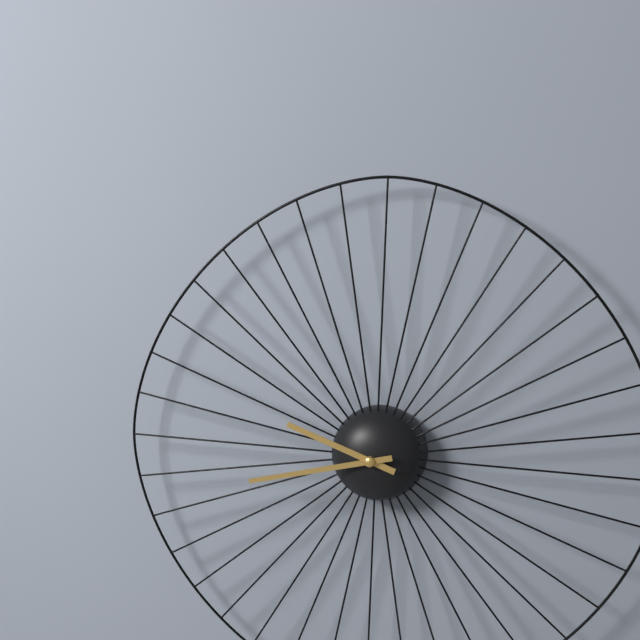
9:43
